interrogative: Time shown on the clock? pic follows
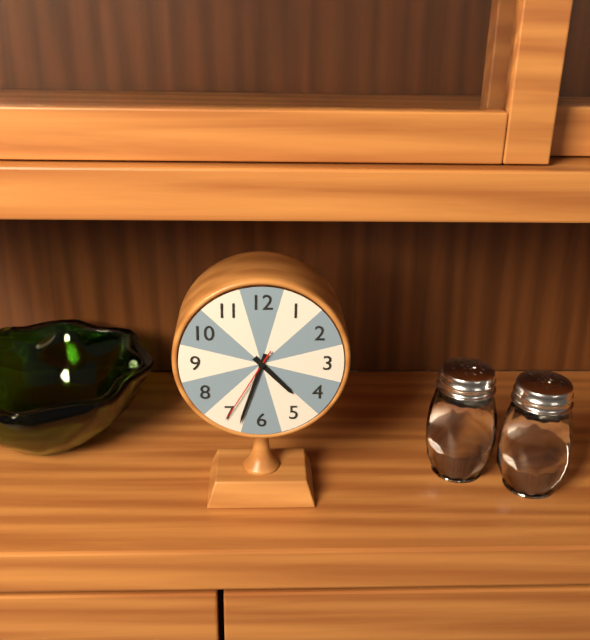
4:33:35
